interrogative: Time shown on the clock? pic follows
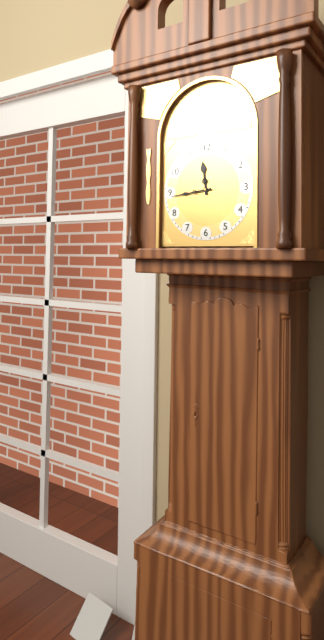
11:44
